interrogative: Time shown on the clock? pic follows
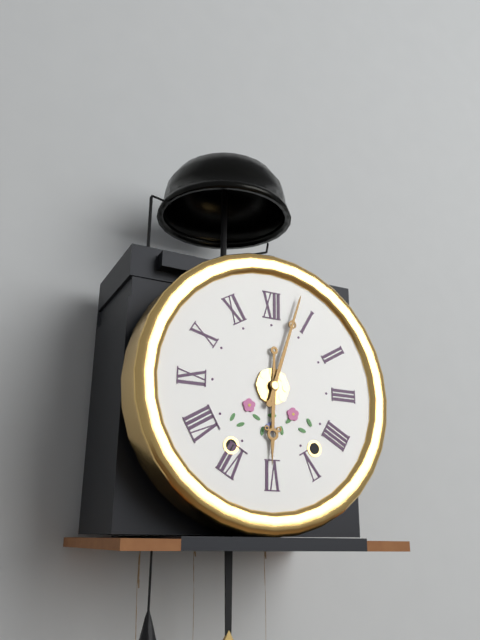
6:03
